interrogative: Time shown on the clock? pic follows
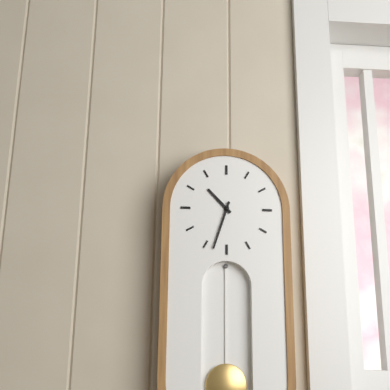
10:33
